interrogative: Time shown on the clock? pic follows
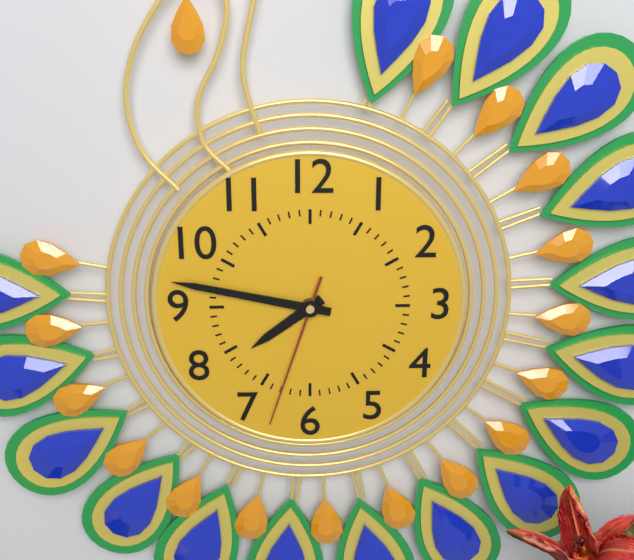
7:47:33
